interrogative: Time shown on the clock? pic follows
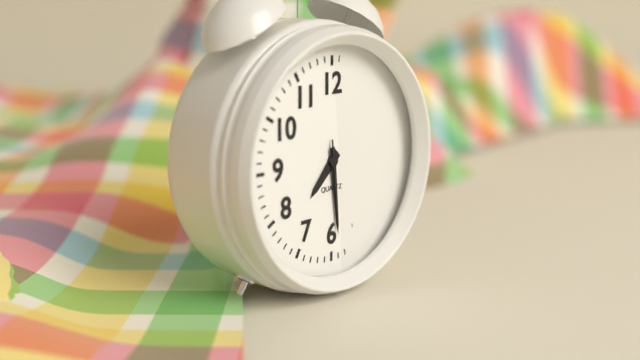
7:29:29
